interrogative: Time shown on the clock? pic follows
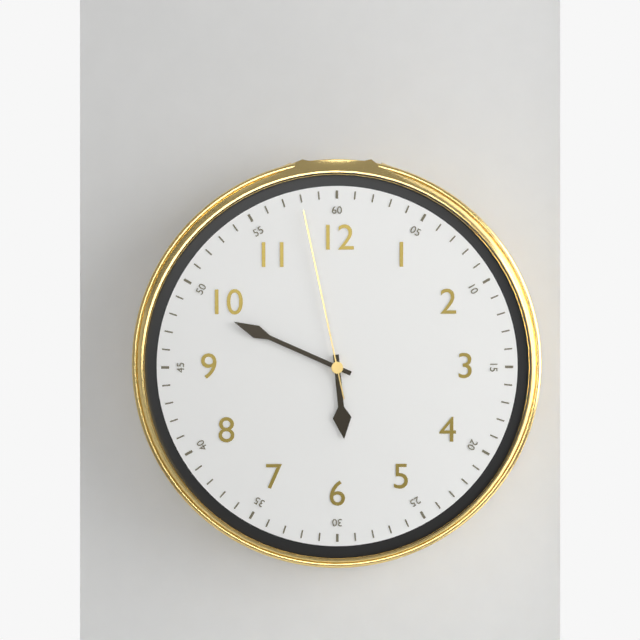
5:49:58
